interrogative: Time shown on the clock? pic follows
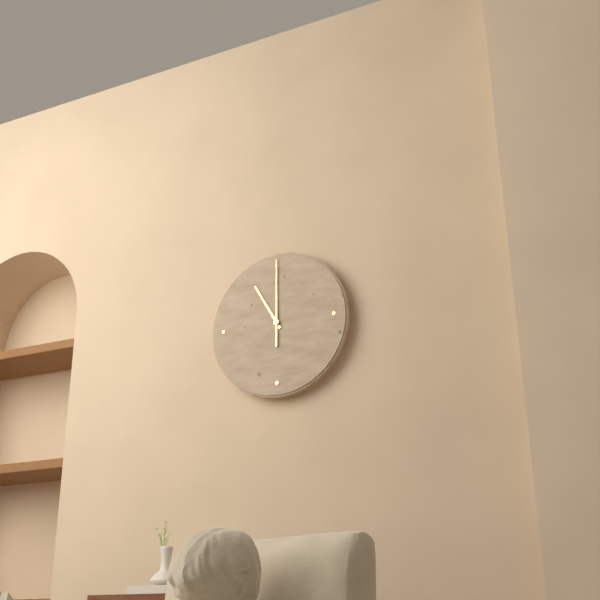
11:00
